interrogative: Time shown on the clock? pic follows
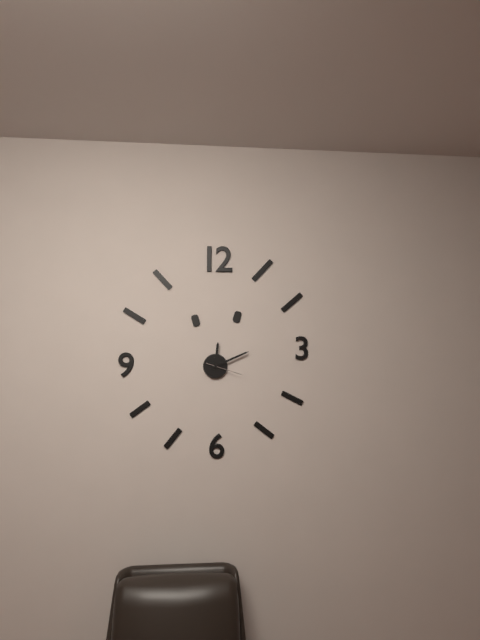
12:11
